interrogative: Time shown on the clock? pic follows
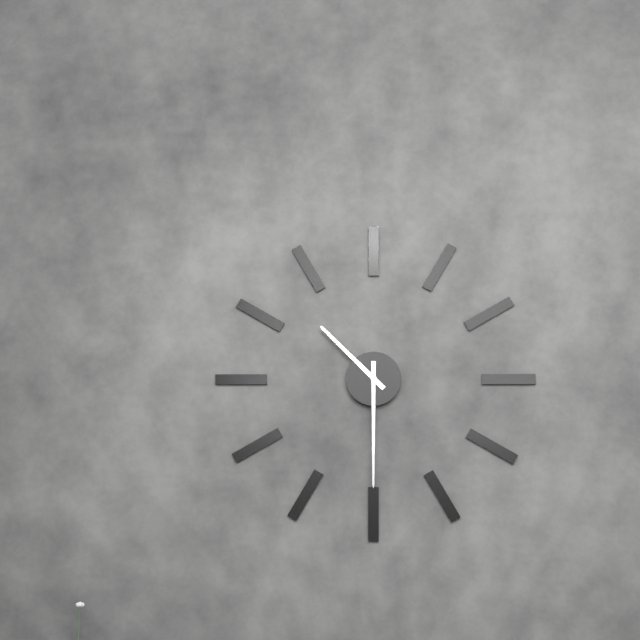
10:30
